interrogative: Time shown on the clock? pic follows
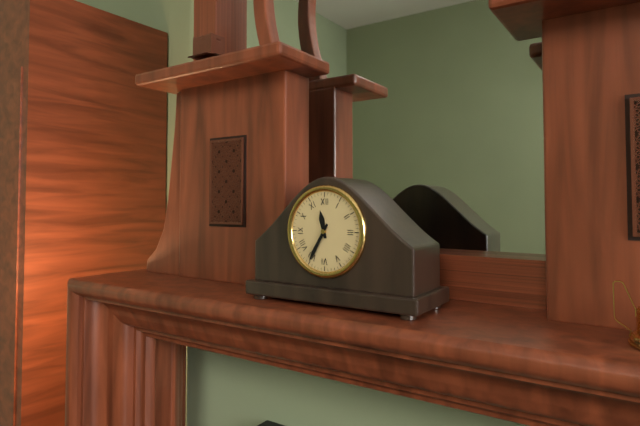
11:35
